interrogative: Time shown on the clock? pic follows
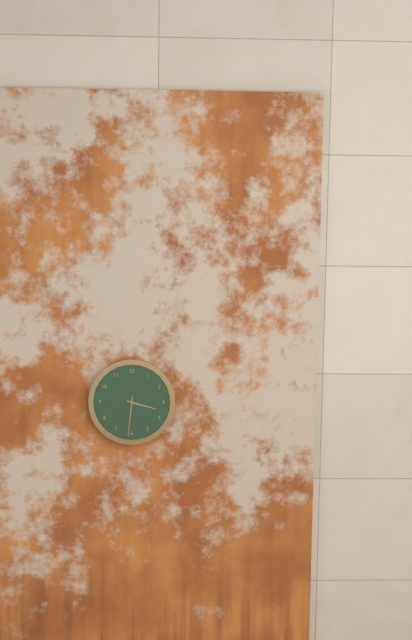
3:31
